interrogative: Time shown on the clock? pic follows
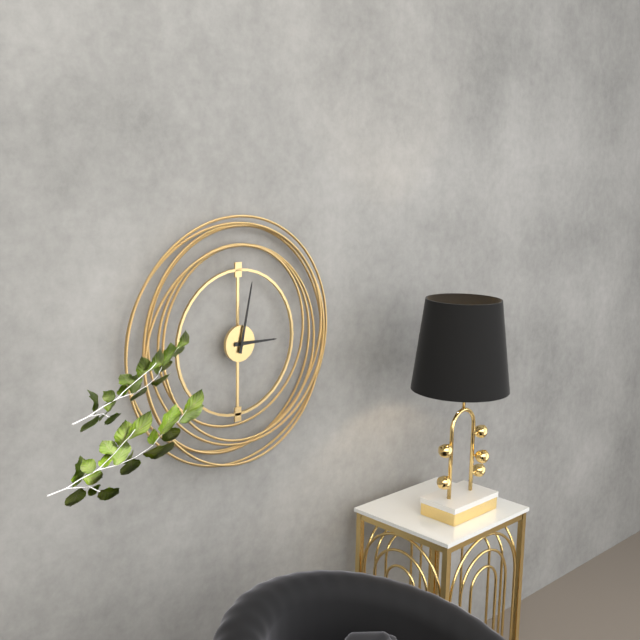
3:02
